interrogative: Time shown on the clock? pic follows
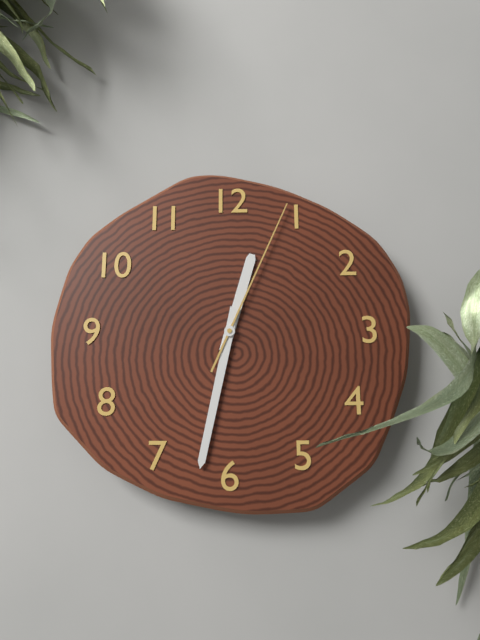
12:32:04
